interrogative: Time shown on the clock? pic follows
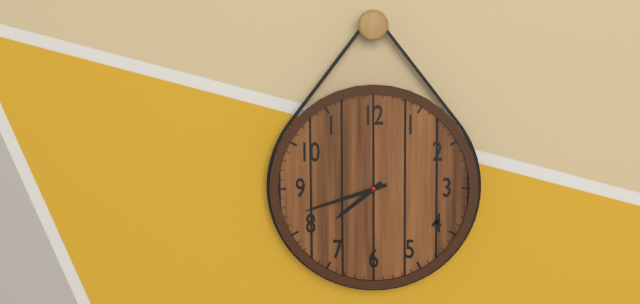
7:42
